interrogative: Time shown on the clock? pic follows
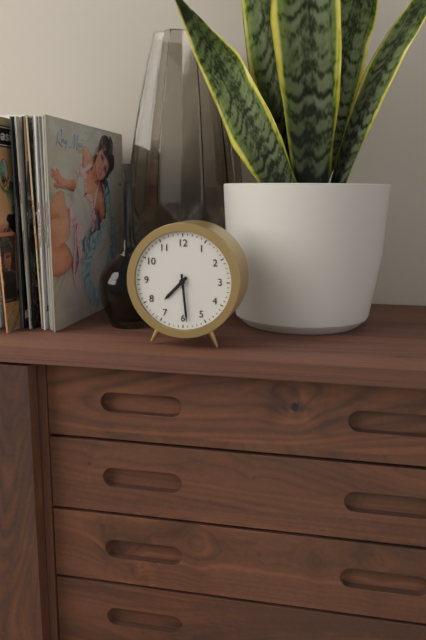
7:29
